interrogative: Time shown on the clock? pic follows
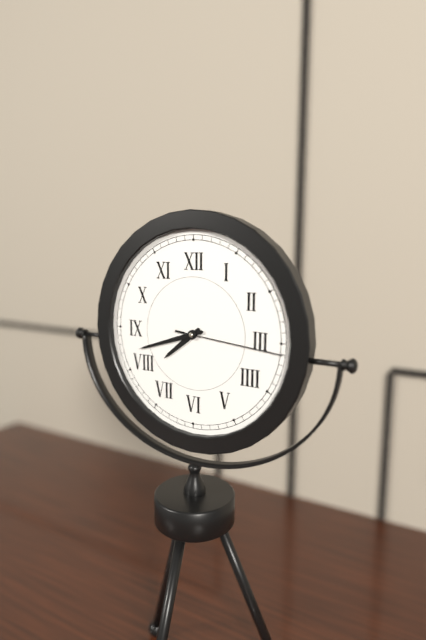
7:42:16
